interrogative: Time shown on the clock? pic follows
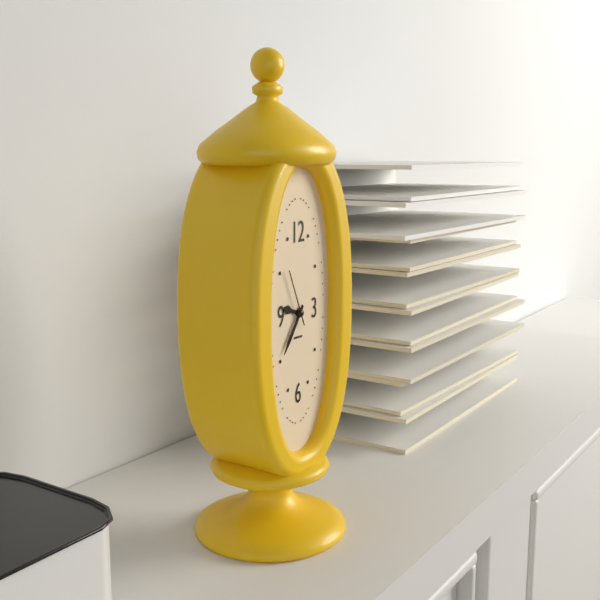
9:36:56
